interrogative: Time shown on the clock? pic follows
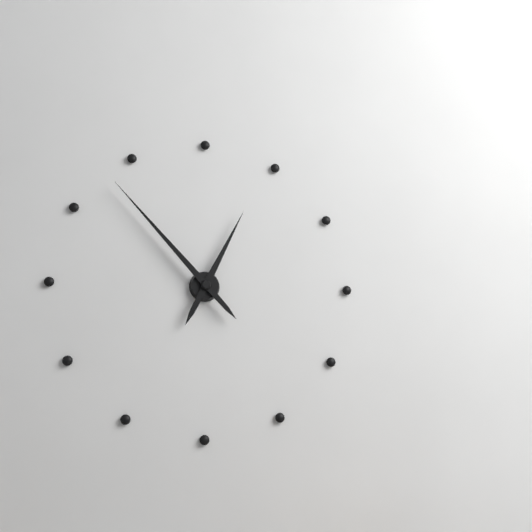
12:53
